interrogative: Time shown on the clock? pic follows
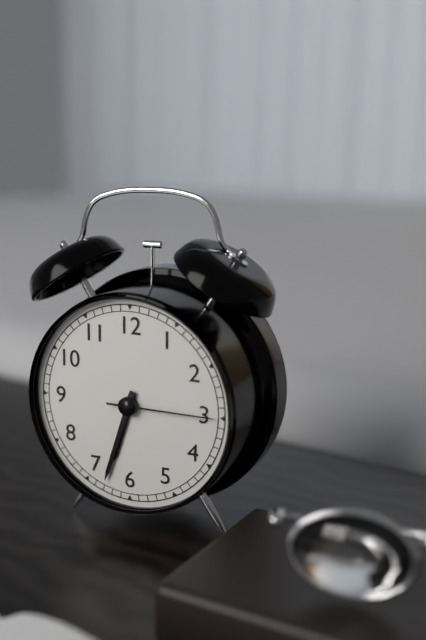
6:33:15
